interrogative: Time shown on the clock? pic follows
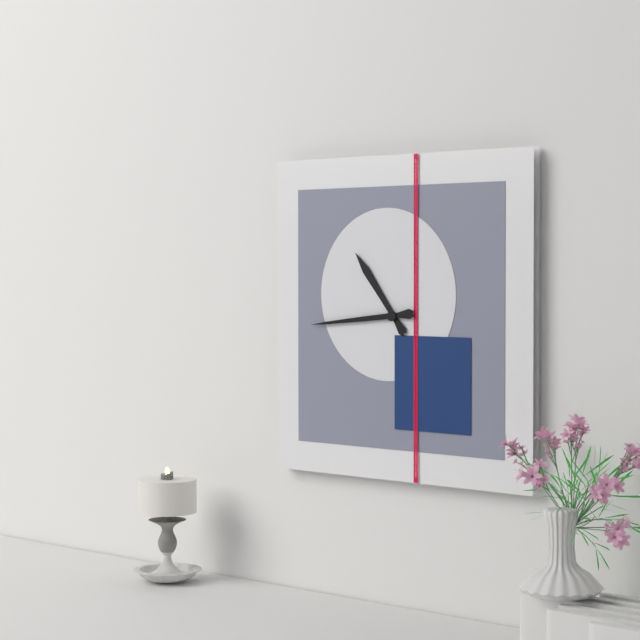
10:44
